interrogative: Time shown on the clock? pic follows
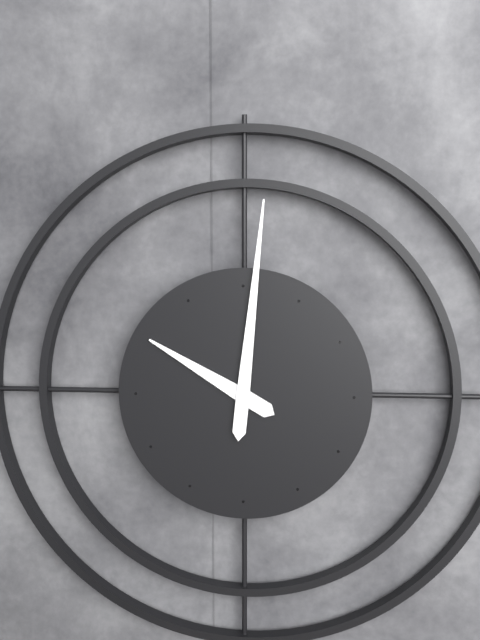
10:01
